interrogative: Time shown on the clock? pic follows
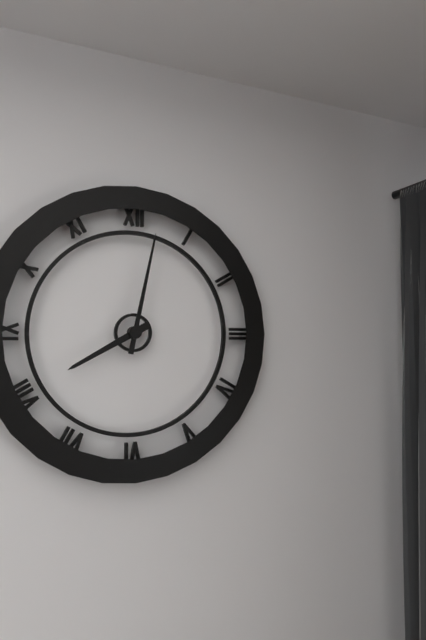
8:02
